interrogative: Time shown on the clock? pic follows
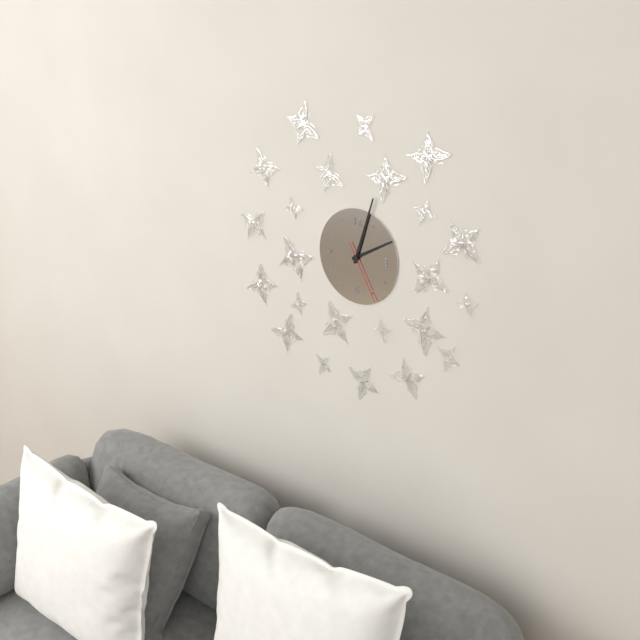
2:03:25
